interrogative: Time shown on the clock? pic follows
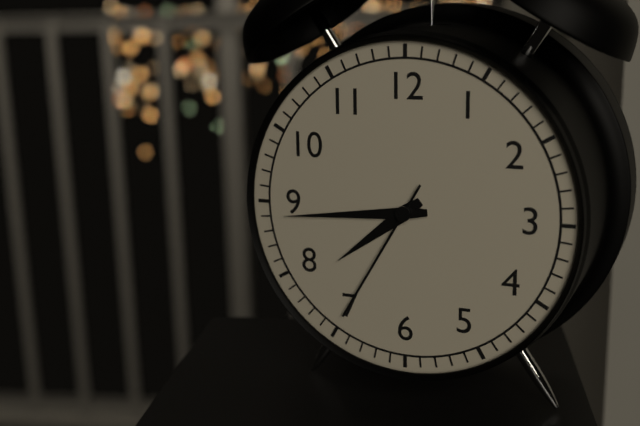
7:44:35
